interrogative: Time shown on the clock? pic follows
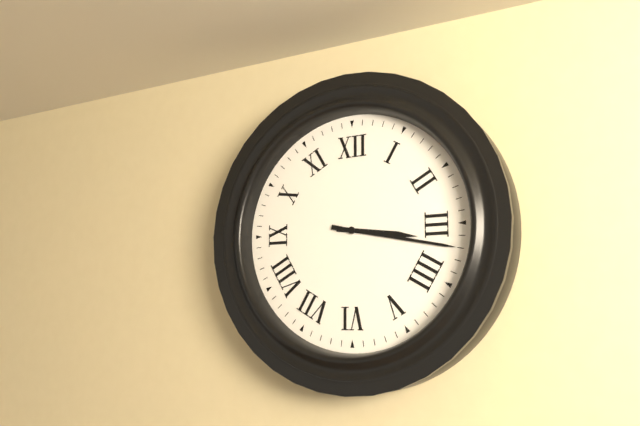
3:17
